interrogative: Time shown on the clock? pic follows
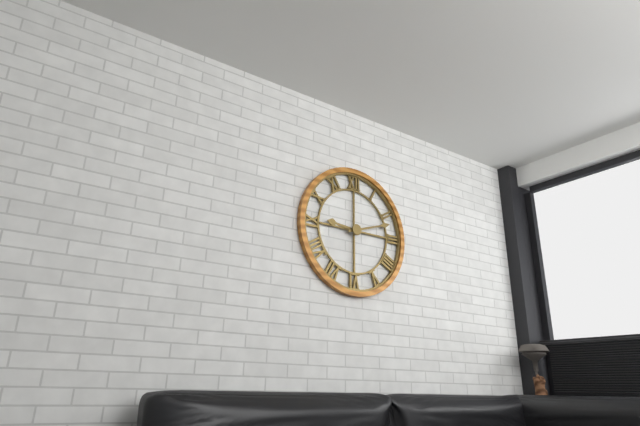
9:12
